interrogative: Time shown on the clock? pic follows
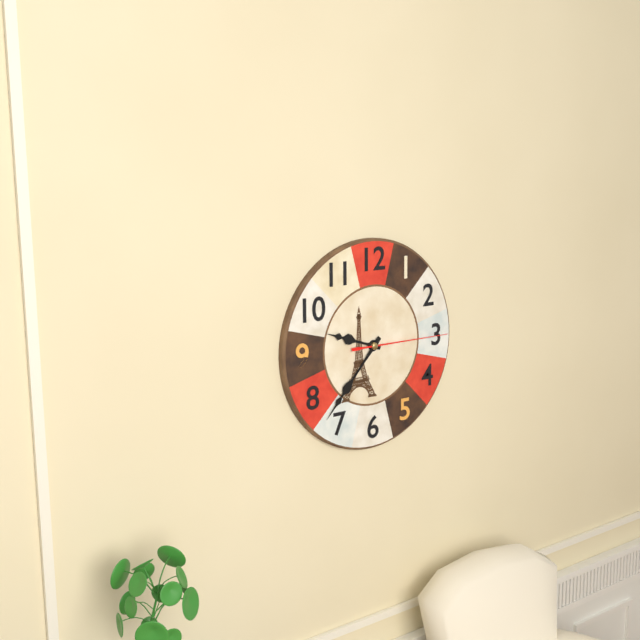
9:37:15
